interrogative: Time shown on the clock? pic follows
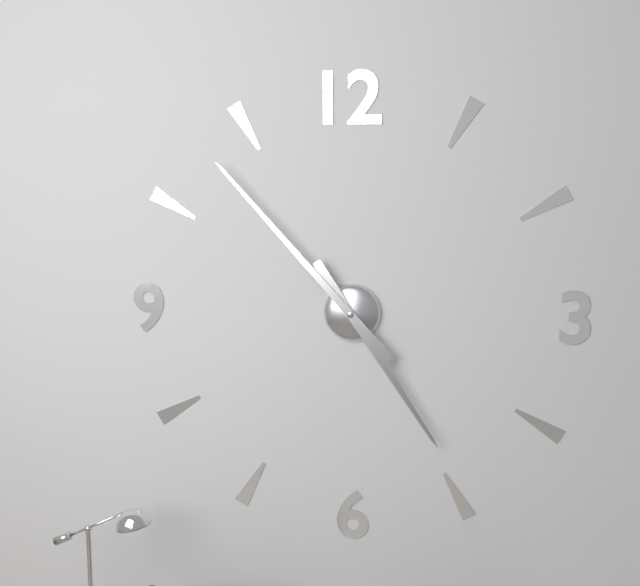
4:53
